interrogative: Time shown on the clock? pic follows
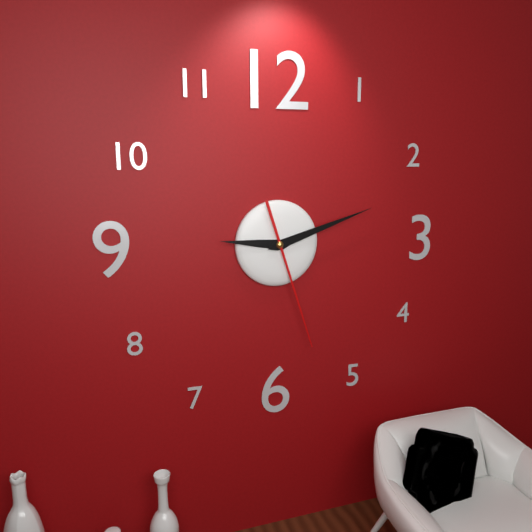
9:12:27
